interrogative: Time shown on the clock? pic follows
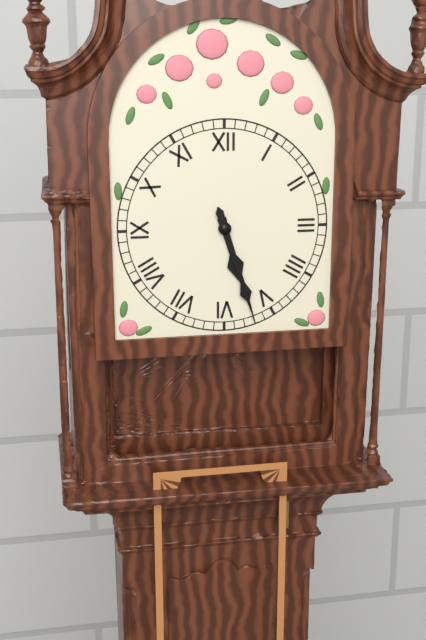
5:27
